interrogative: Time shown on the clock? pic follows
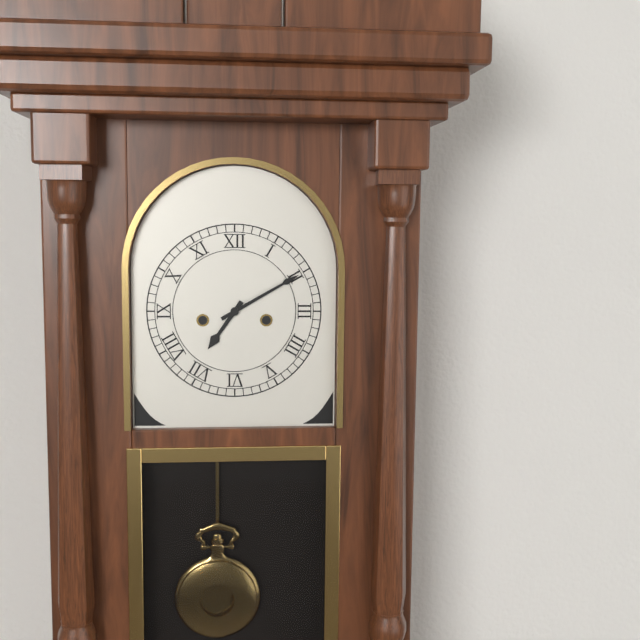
7:10
